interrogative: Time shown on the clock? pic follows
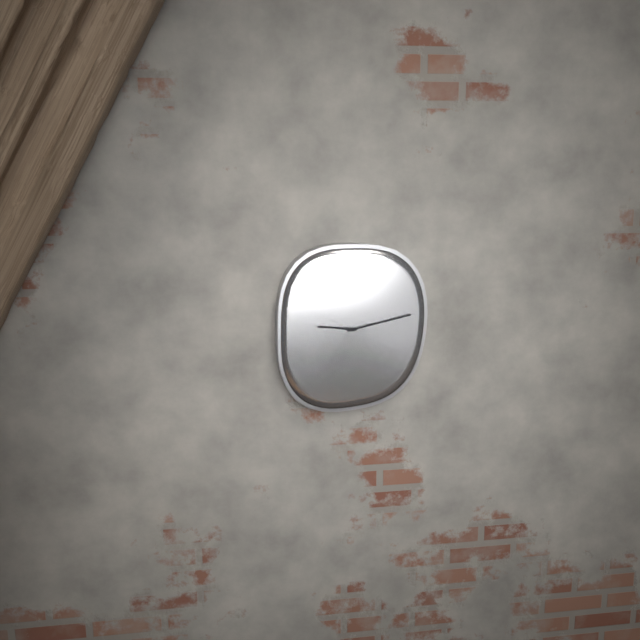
9:13
